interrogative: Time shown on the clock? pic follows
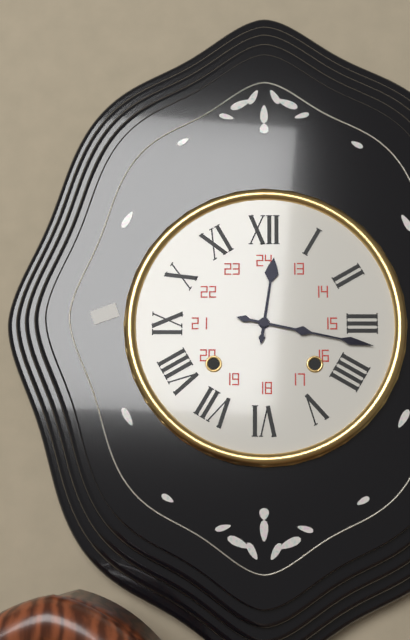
12:17
